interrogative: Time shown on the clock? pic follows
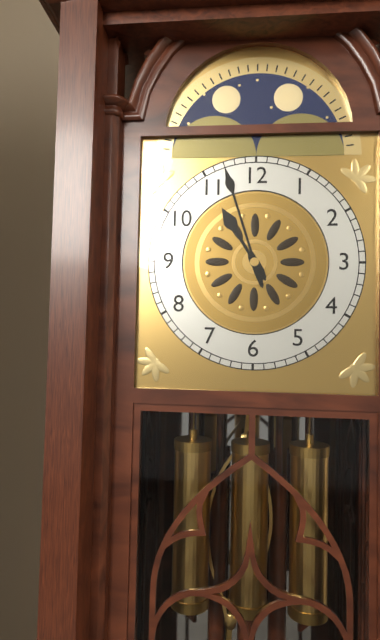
10:57
